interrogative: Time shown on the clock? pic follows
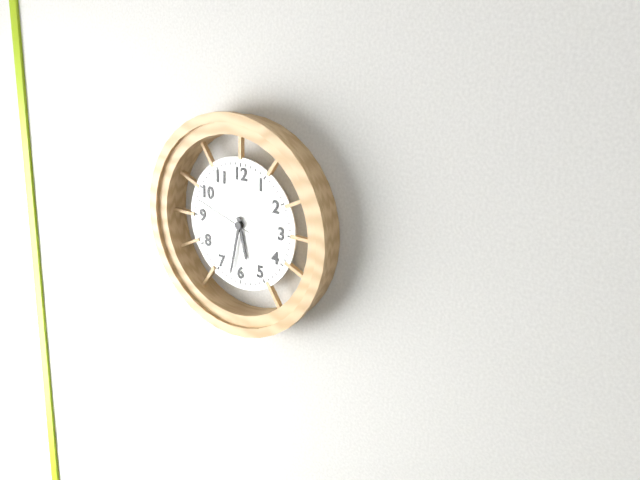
5:32:48
